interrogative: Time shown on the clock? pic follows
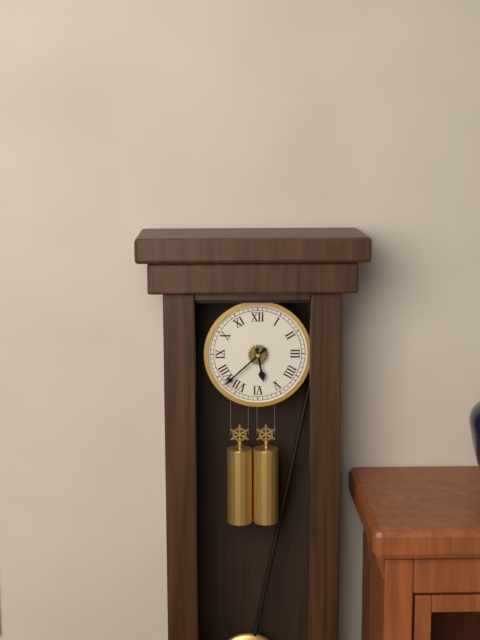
5:38
